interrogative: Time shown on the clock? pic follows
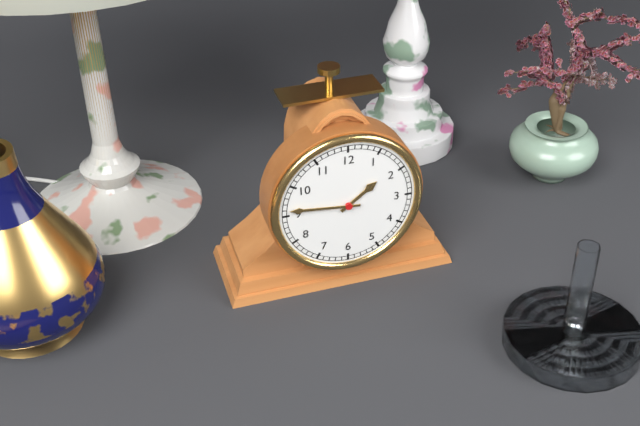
1:46
